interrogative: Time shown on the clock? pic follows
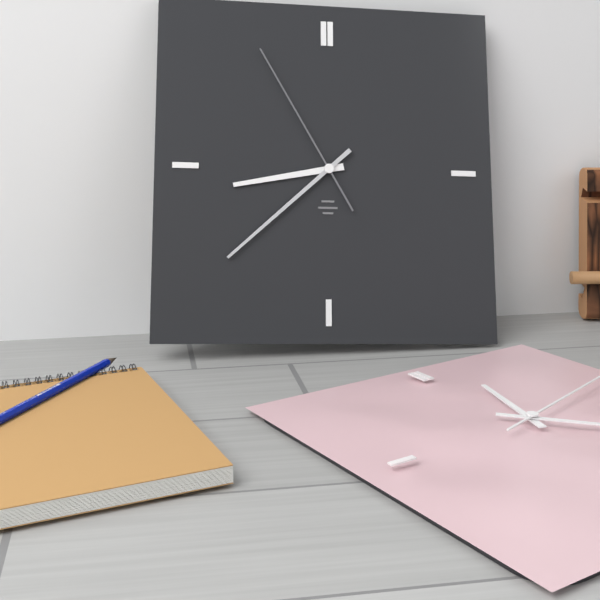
8:38:55
